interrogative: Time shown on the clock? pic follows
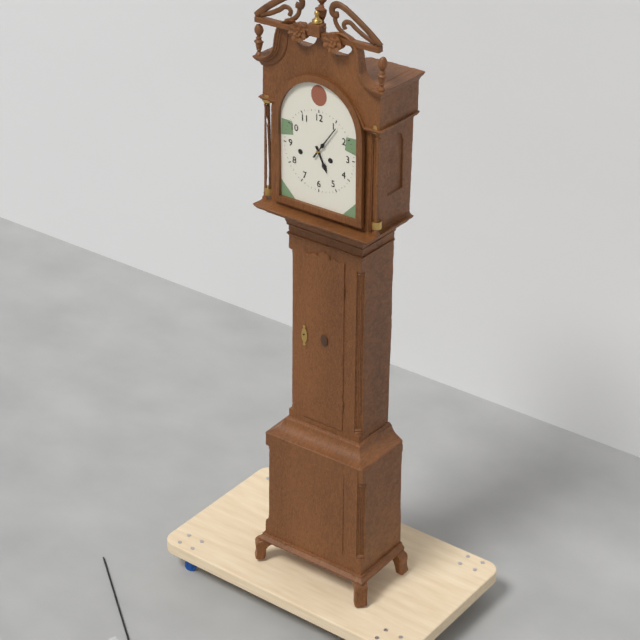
5:06
